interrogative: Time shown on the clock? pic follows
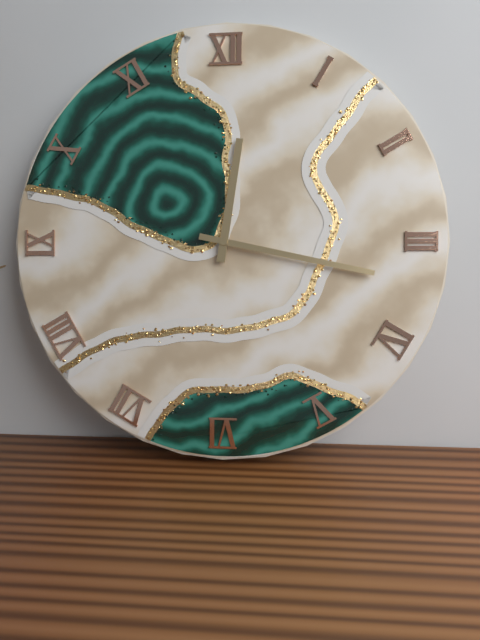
12:17
